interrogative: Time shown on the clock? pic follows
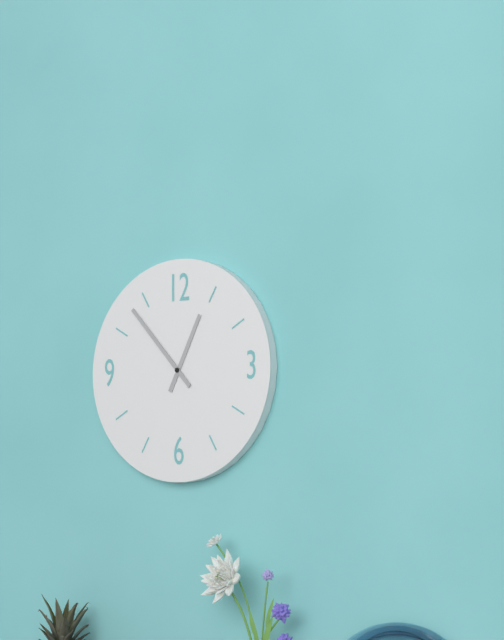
12:53
